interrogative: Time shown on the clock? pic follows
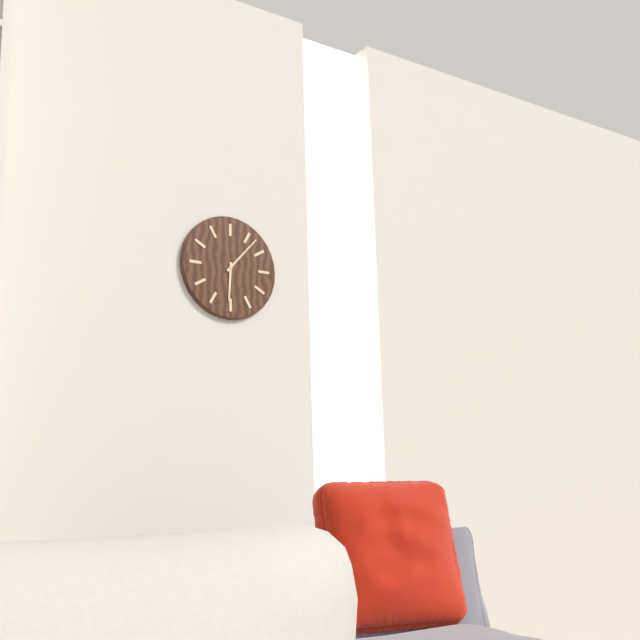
6:07
